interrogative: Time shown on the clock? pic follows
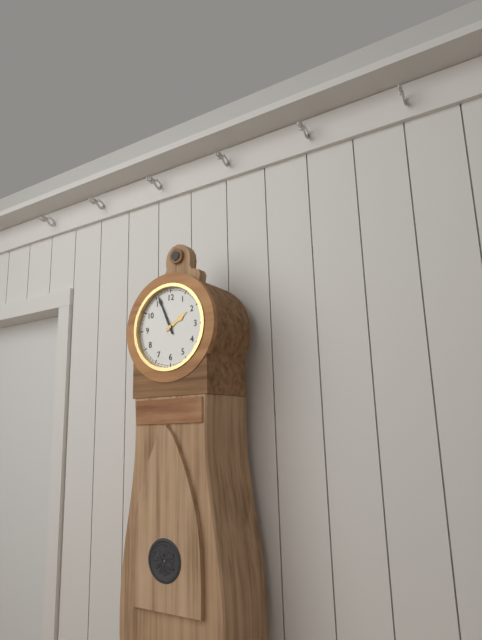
1:56
